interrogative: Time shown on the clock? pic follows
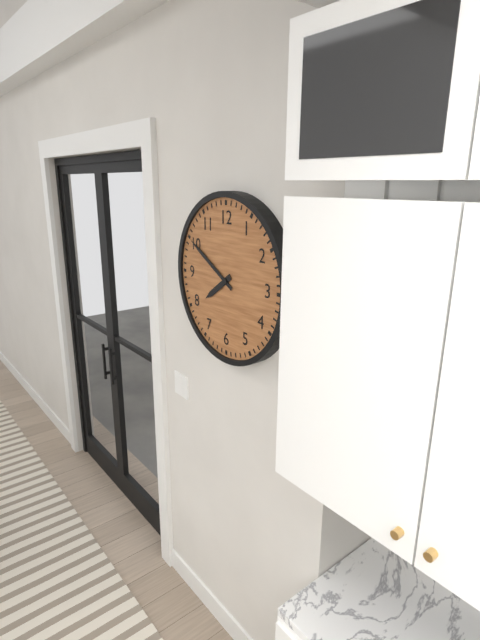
7:50
